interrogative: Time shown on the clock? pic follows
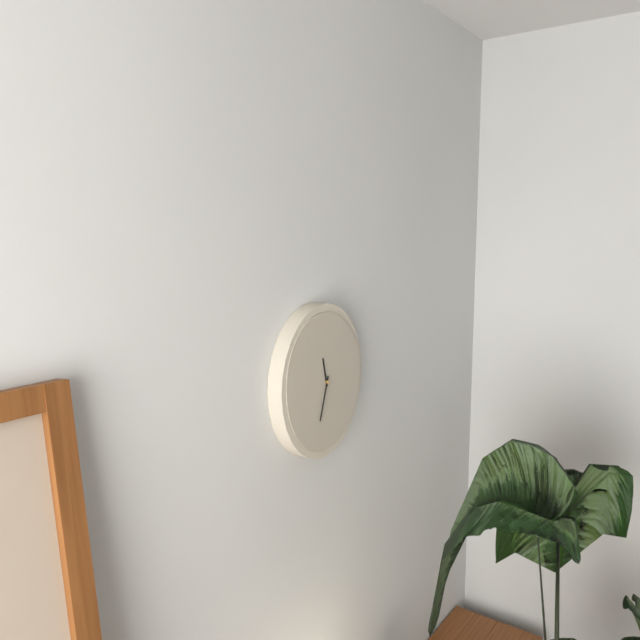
11:33
